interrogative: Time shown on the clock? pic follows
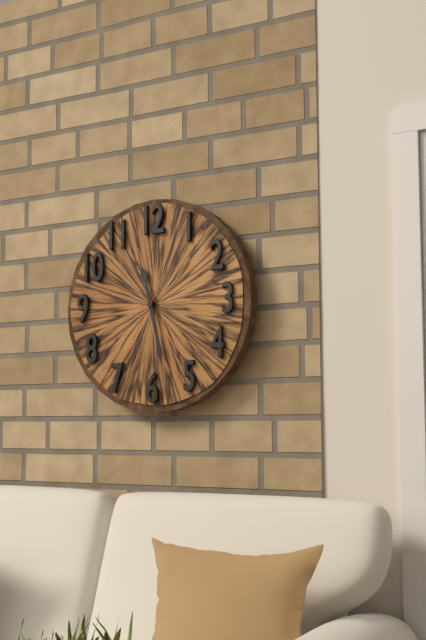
11:28:35
